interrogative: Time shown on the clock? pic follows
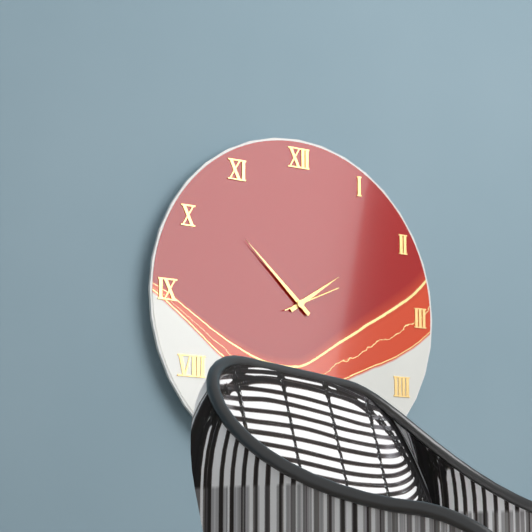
1:52:11
